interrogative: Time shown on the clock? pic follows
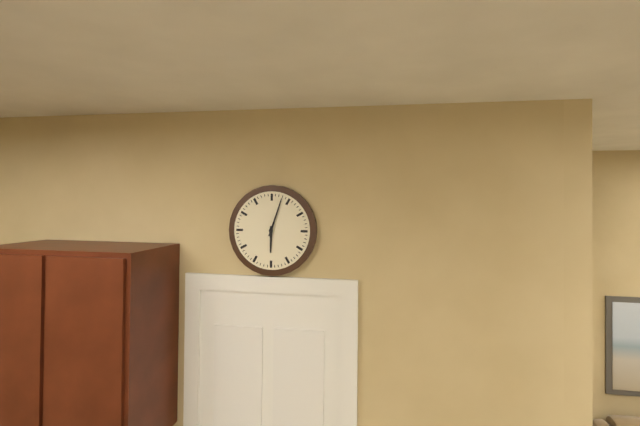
6:03
